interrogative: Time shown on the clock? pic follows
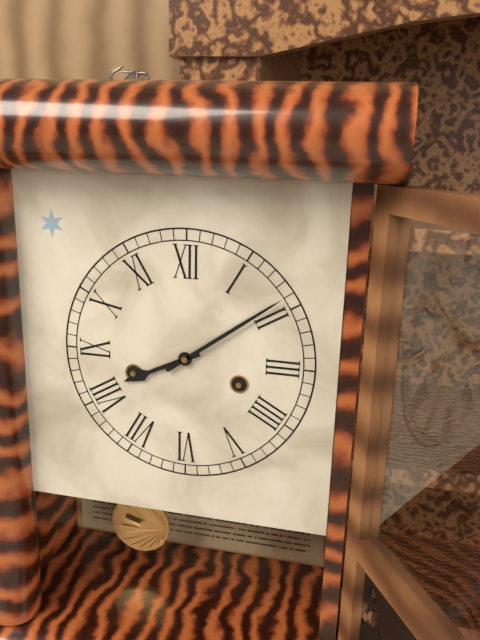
8:09
